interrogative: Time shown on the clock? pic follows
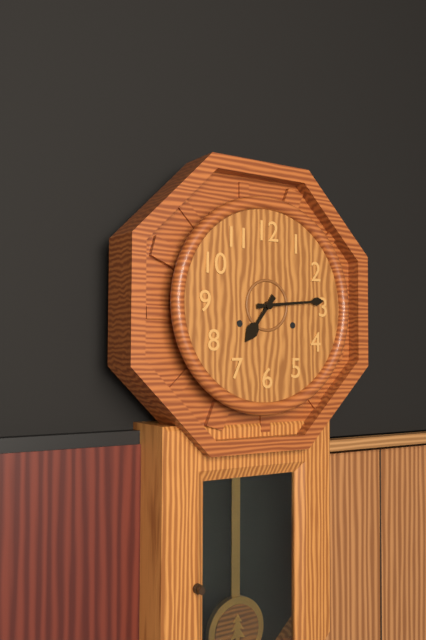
7:14
